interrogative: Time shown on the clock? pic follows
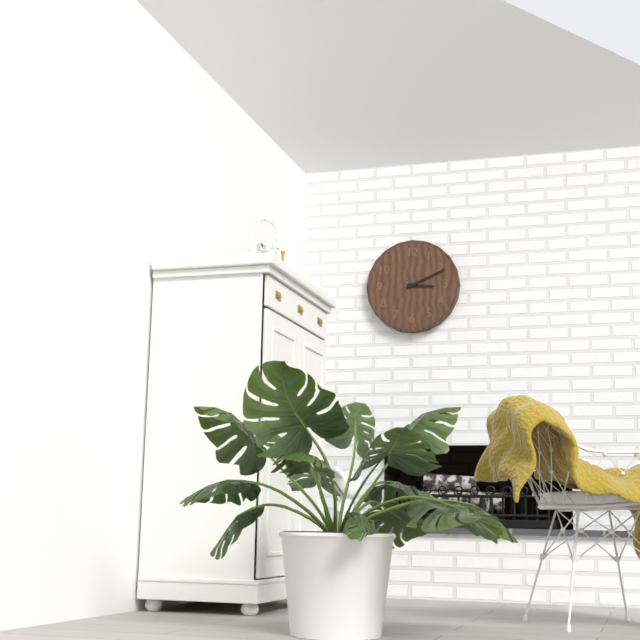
3:11
